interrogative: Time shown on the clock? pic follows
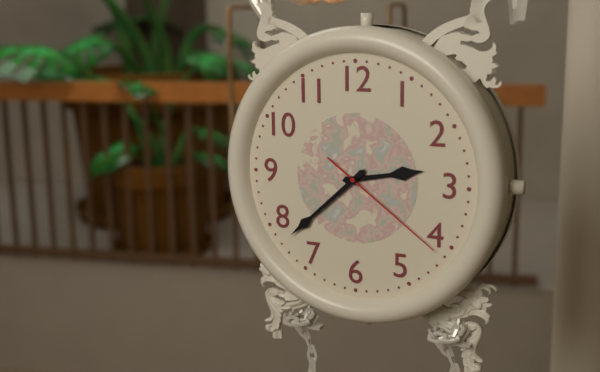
2:38:21
